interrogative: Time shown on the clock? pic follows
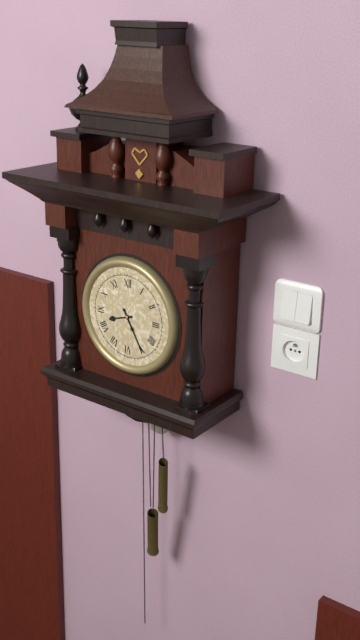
8:25
